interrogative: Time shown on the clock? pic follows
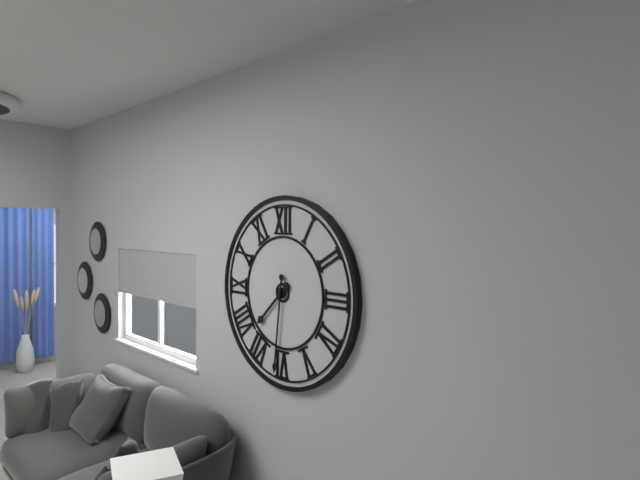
7:31
